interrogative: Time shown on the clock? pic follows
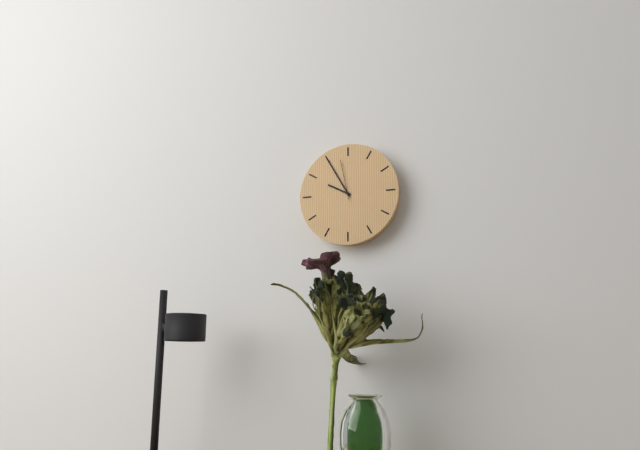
9:55
